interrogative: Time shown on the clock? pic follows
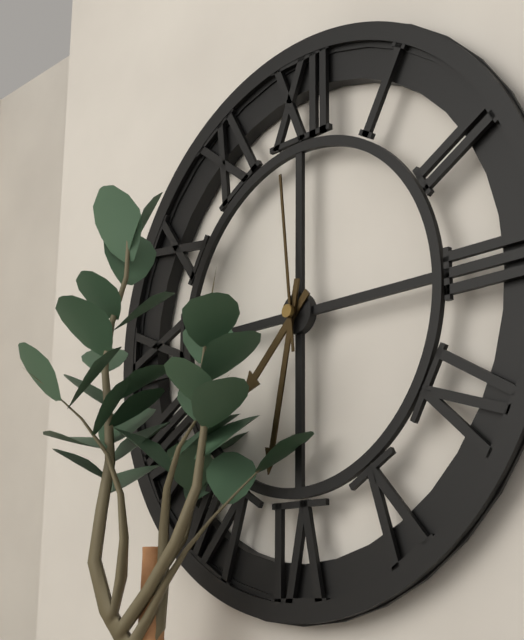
7:32:59
